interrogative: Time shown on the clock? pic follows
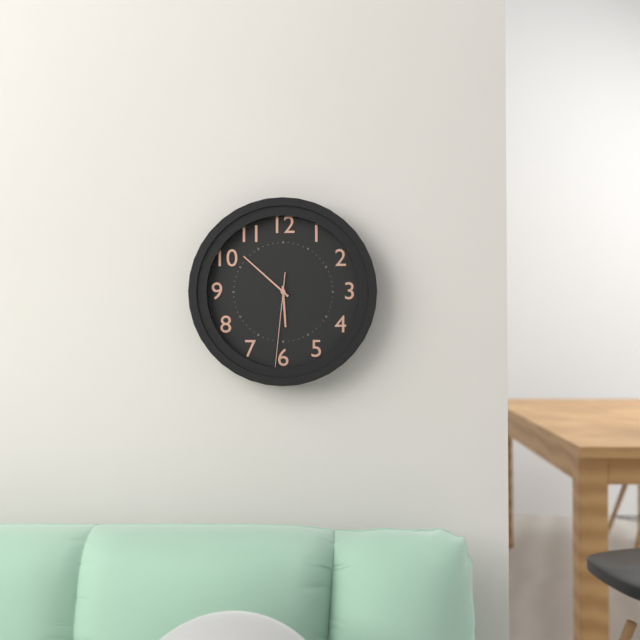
5:52:31
